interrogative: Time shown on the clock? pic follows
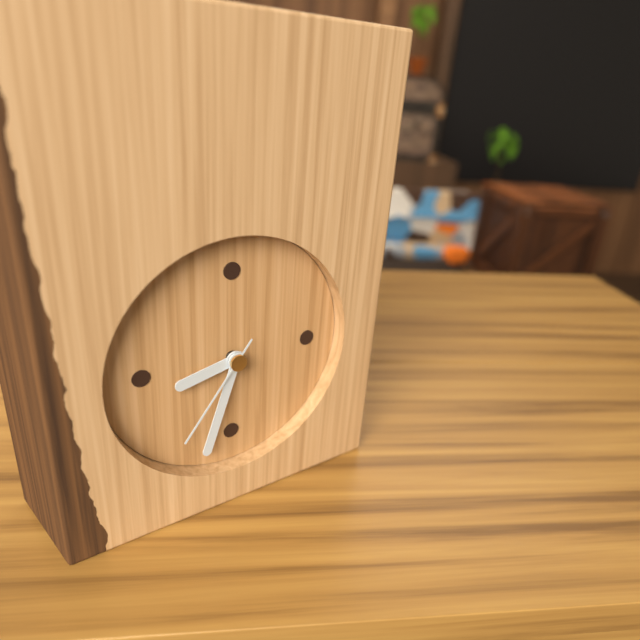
8:33:36
